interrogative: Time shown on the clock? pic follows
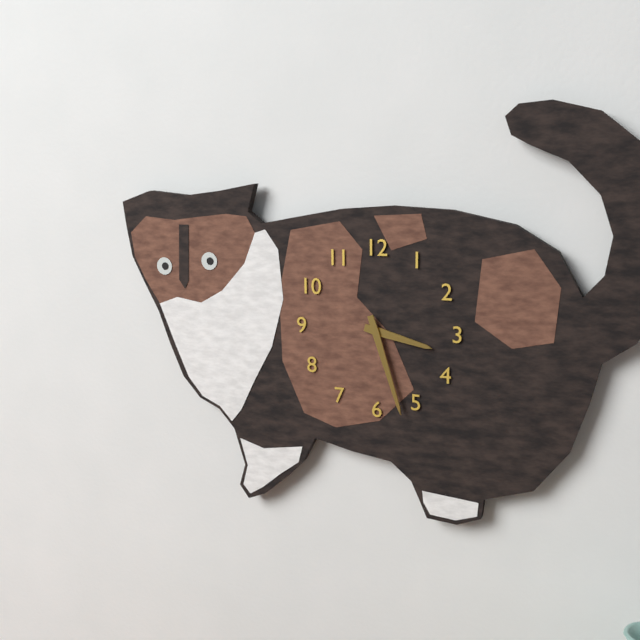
3:27
